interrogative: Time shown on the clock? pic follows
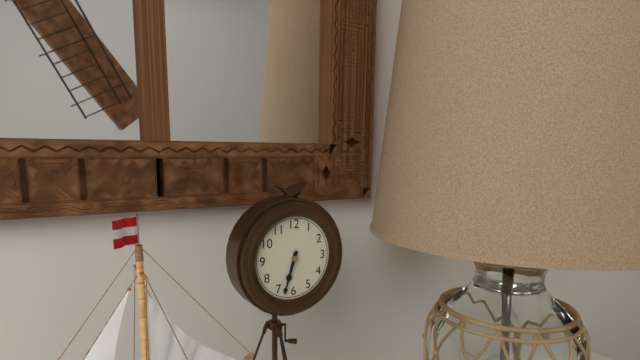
6:33
